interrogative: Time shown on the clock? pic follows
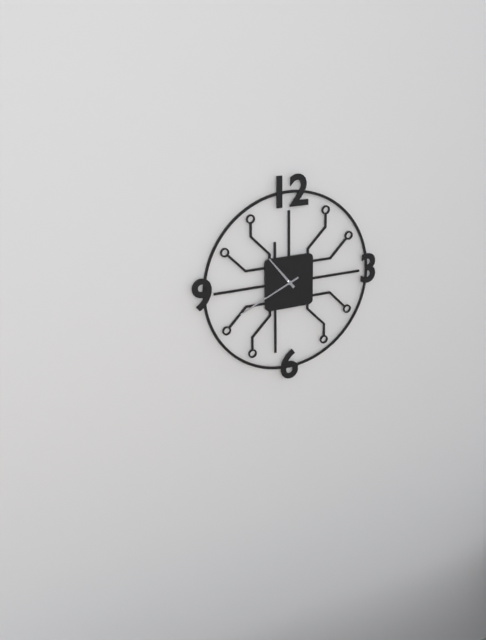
10:41
